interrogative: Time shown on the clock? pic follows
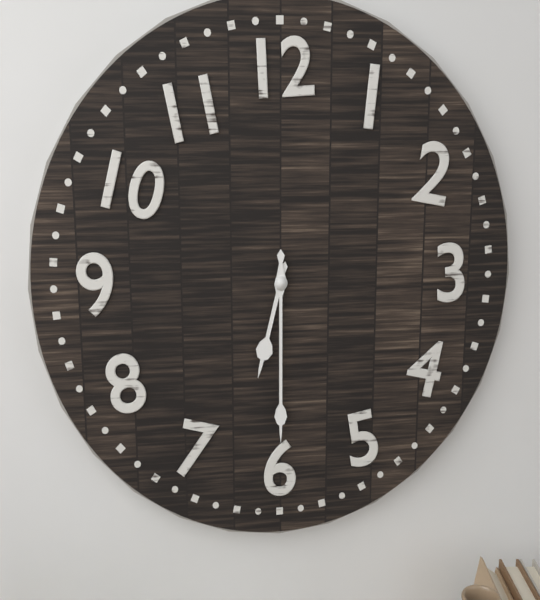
6:30
